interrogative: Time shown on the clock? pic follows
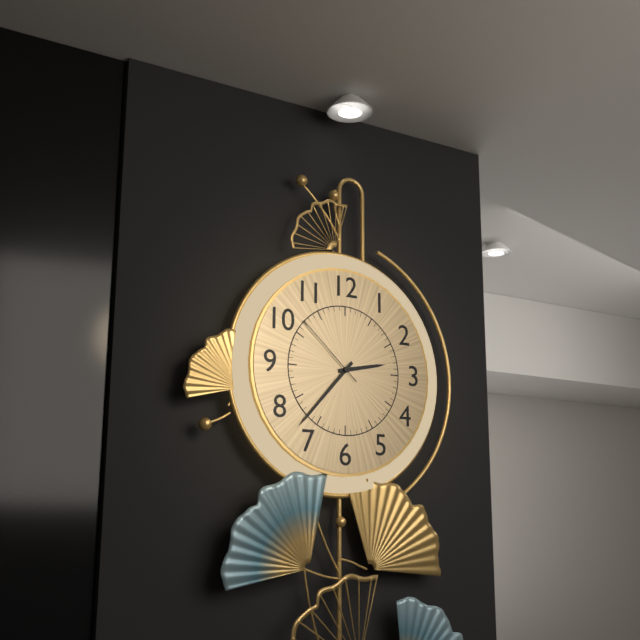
2:37:52
